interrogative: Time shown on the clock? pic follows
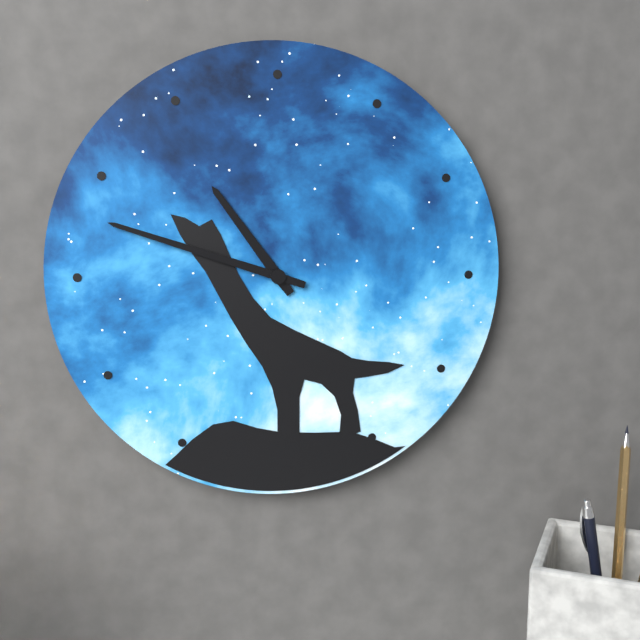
10:48
